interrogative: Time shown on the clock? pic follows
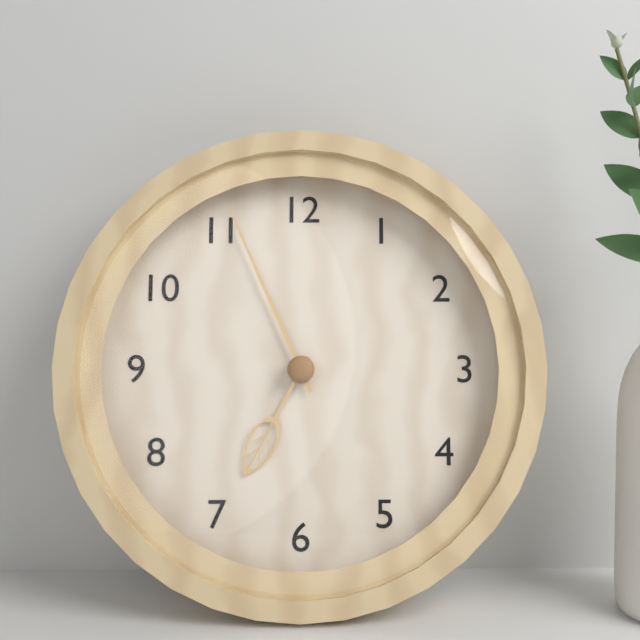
6:56
